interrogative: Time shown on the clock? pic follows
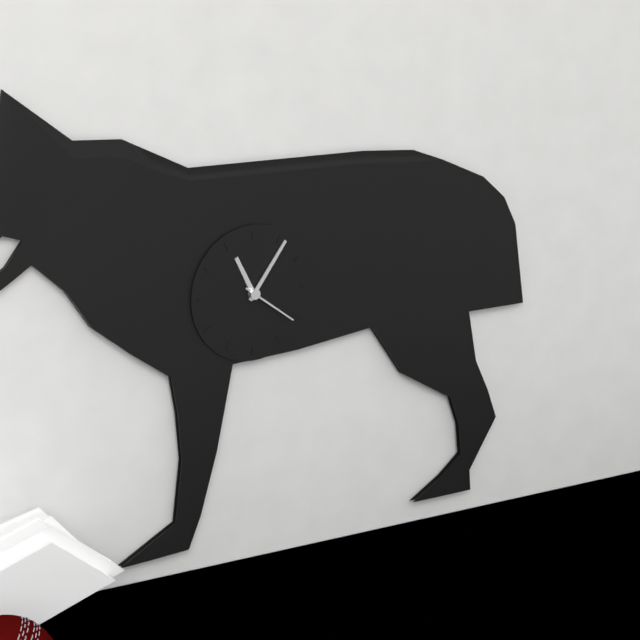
11:06:21
